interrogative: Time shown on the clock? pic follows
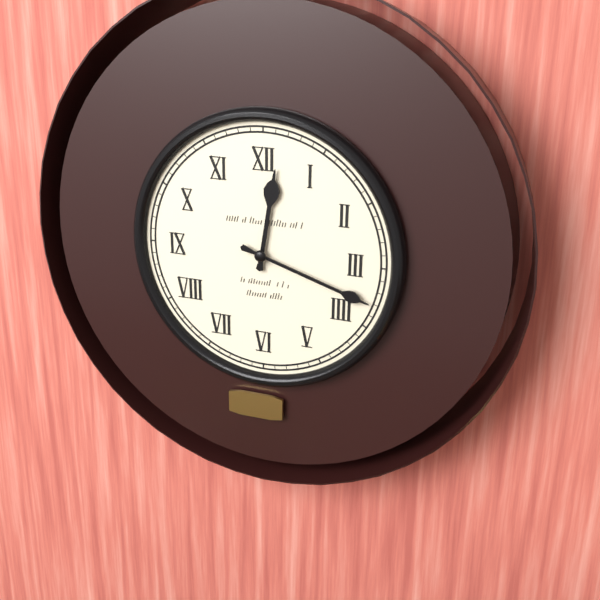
12:18
